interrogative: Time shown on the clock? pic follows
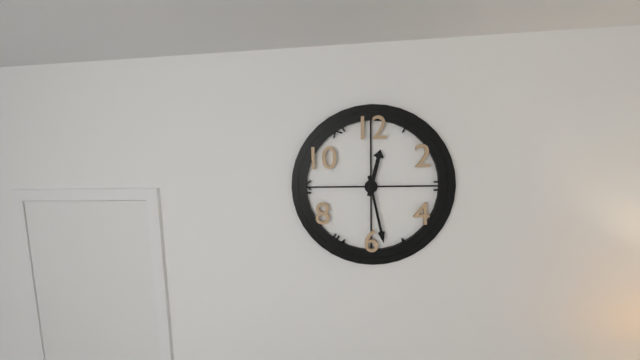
12:28
